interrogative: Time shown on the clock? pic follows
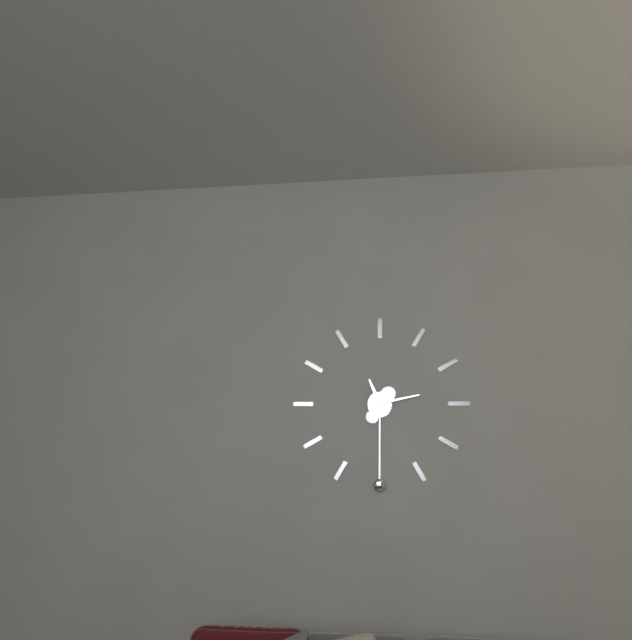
11:13
